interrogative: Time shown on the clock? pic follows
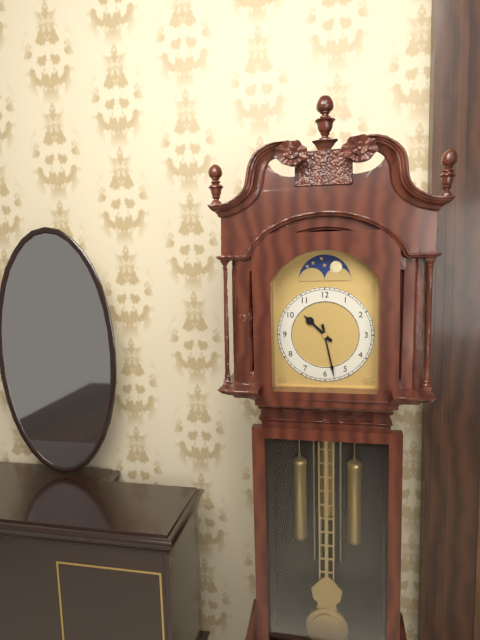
10:28
